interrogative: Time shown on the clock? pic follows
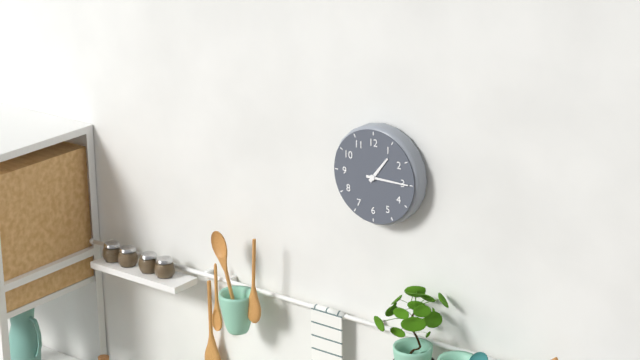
1:15
